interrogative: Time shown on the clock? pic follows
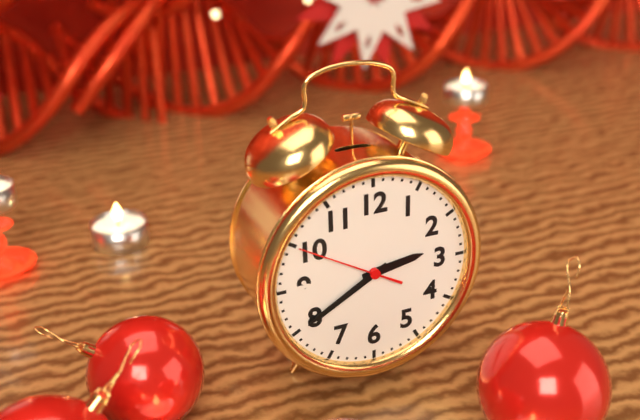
2:40:50
